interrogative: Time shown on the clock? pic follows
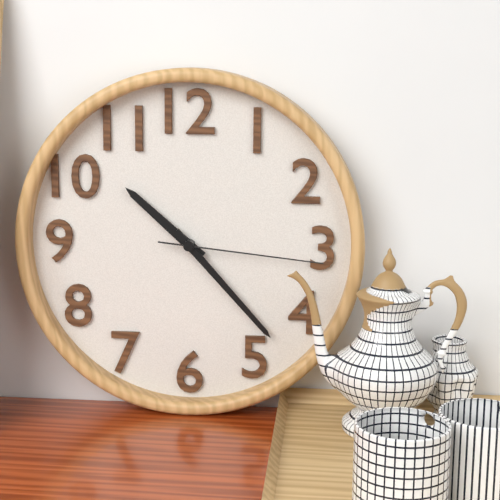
10:23:16
